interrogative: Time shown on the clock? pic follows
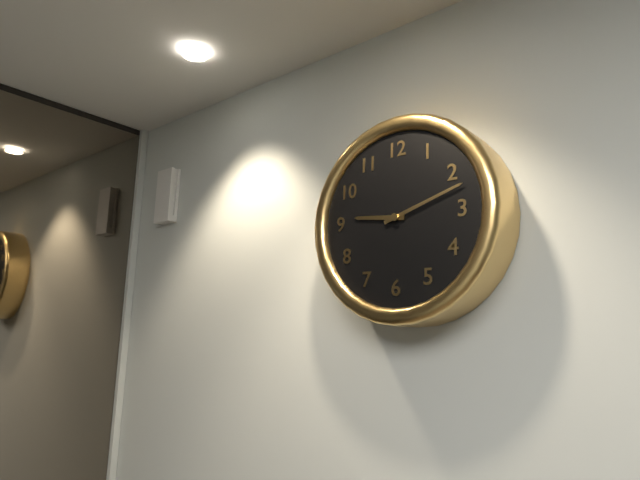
9:12
